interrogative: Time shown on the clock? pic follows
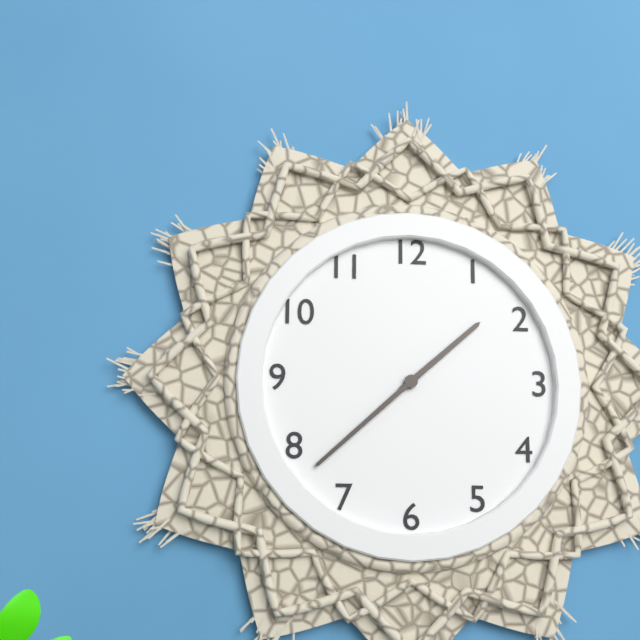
1:38
